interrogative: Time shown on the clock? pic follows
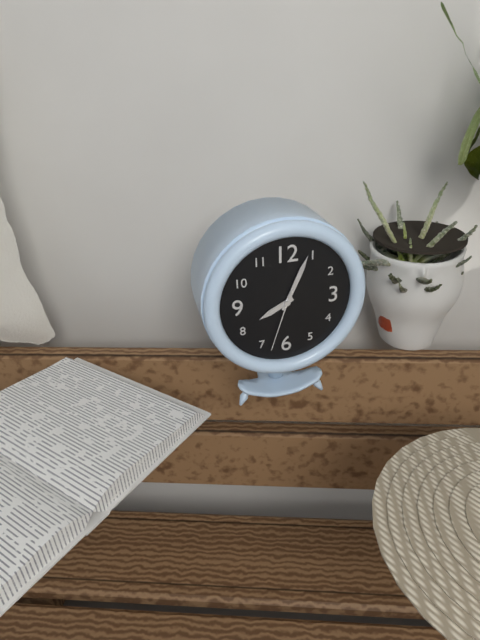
8:04:33
